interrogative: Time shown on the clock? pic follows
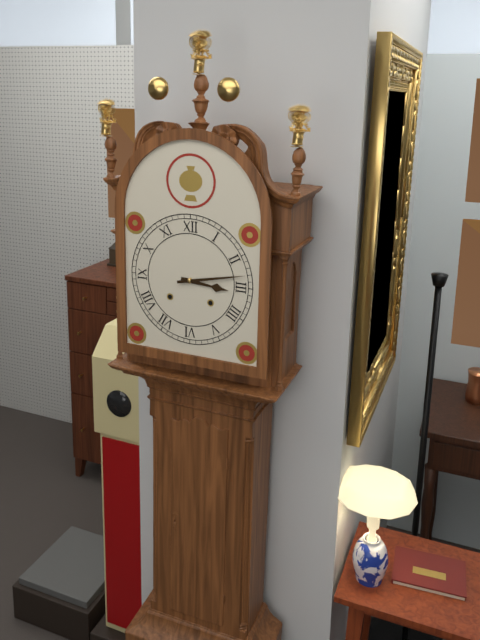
3:13
